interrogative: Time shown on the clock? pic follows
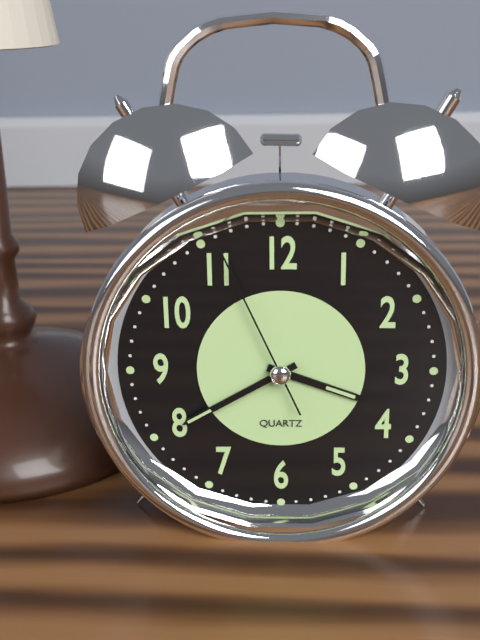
3:40:56
